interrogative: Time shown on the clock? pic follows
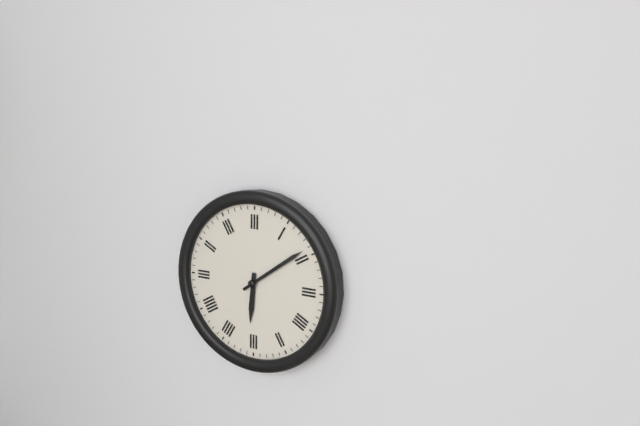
6:09
